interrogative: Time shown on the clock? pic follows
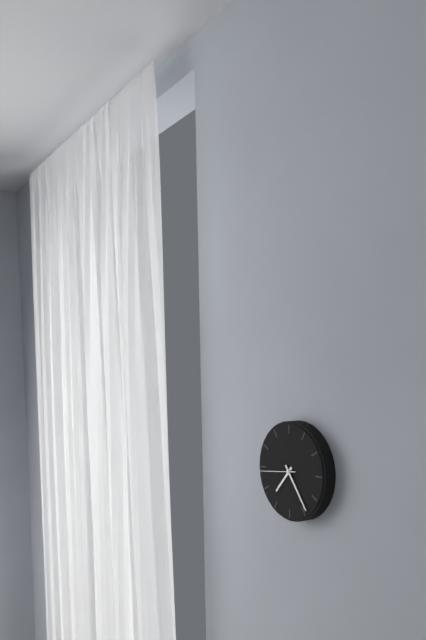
7:24
